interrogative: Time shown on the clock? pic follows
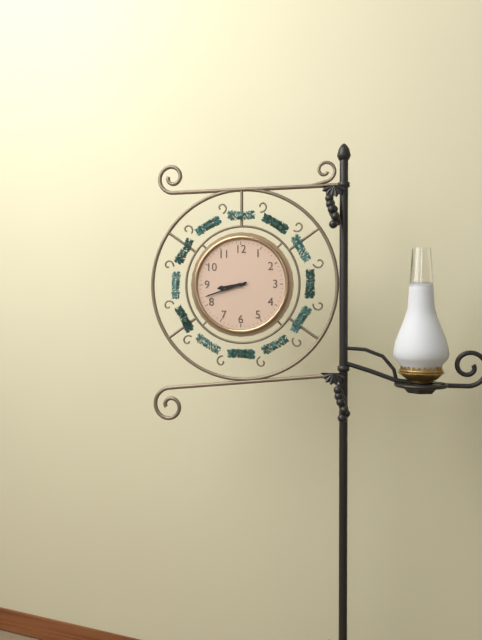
8:42
